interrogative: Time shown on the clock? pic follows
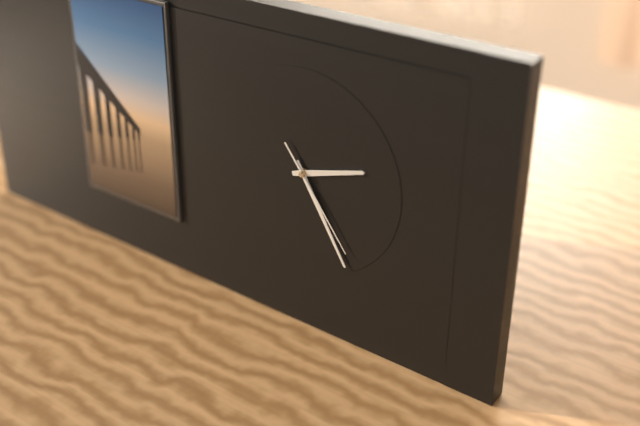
2:25:24
